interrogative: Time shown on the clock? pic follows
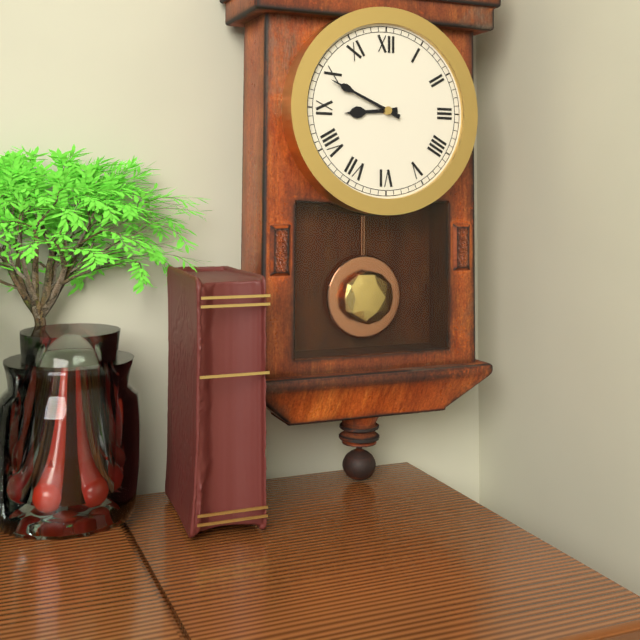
8:49
